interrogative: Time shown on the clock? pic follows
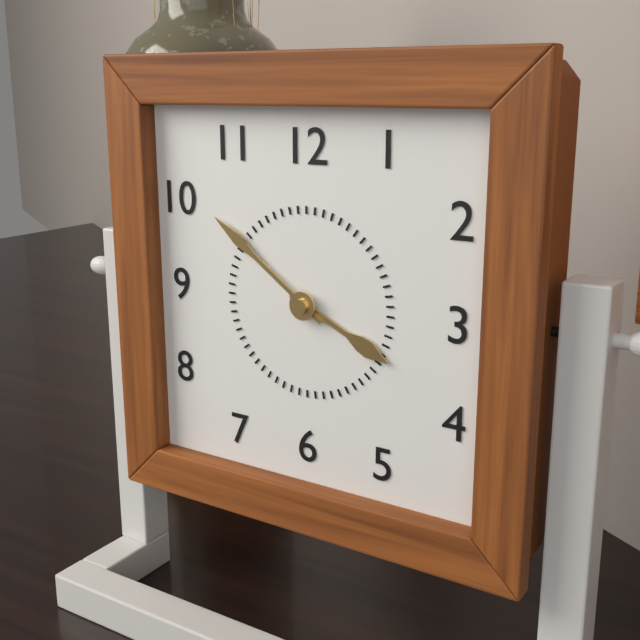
3:51
